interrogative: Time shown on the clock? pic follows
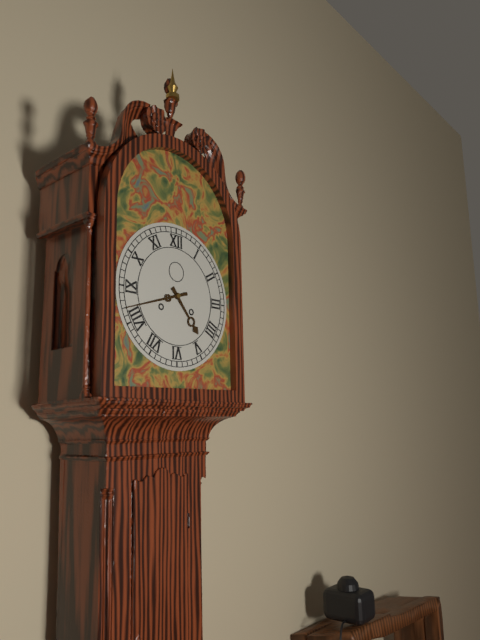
4:42
